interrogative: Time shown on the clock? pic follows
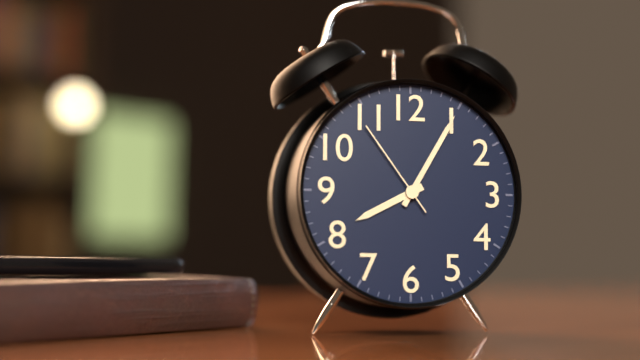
8:05:54
